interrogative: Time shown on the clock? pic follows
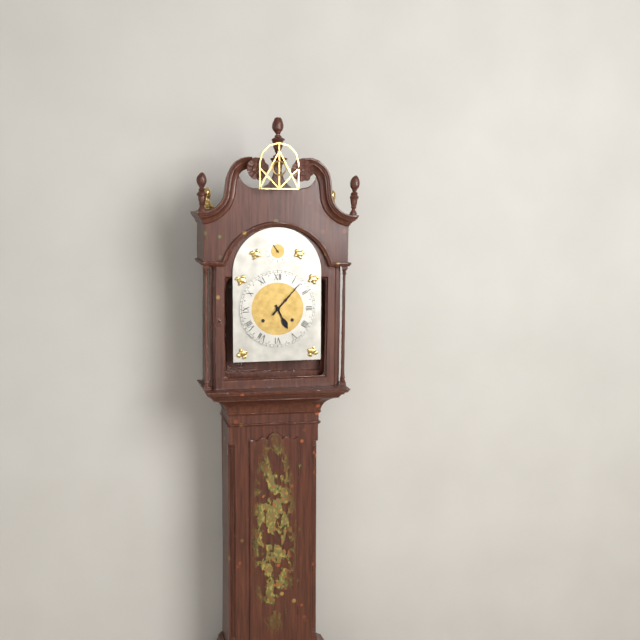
5:07
